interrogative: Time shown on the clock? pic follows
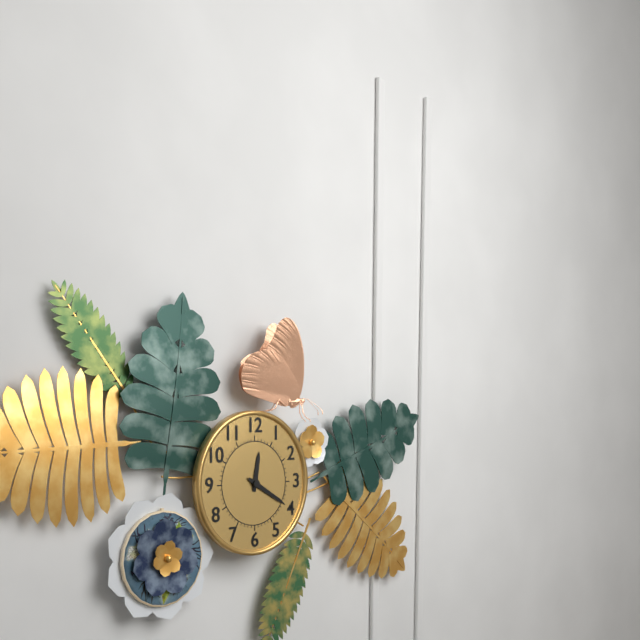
12:20
